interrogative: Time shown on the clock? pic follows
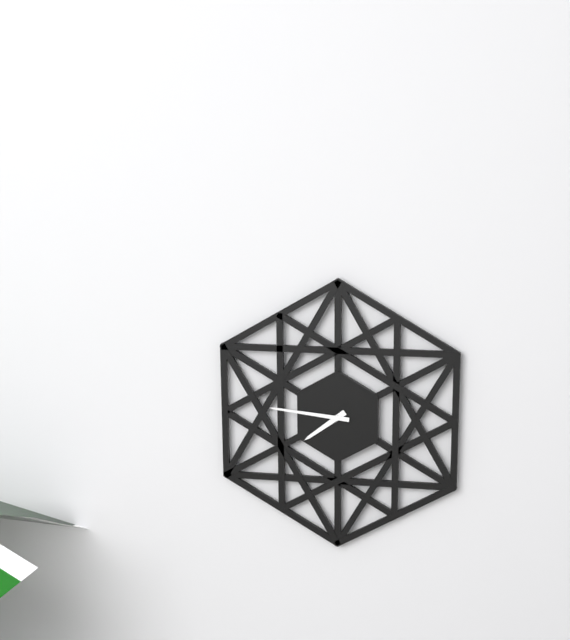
7:46
